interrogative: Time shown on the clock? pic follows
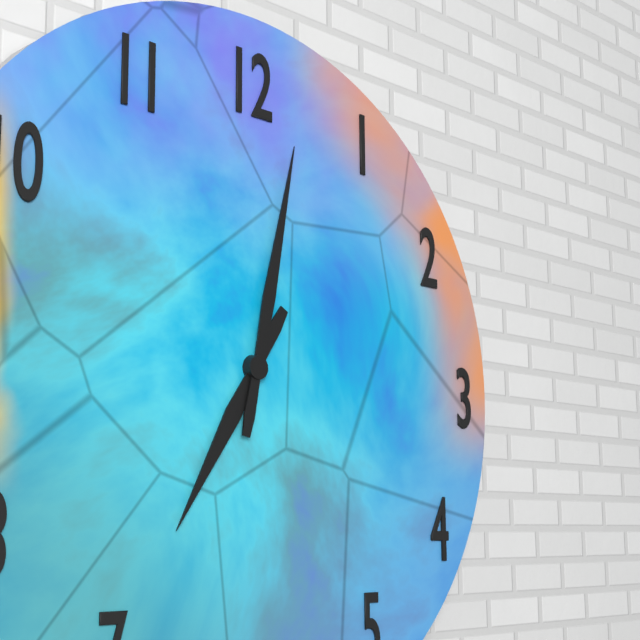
7:02
